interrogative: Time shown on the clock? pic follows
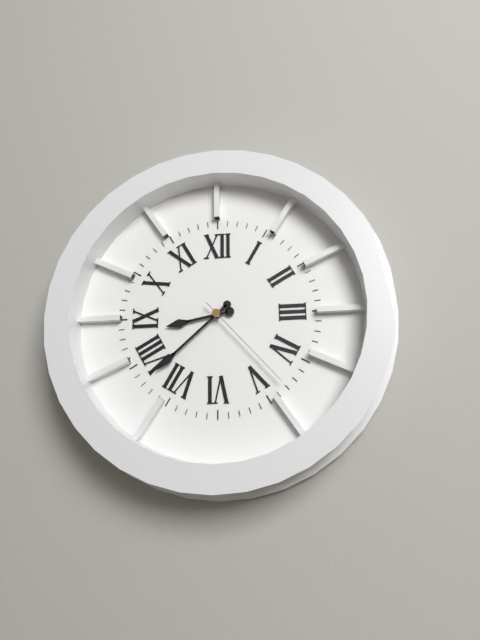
8:38:23
